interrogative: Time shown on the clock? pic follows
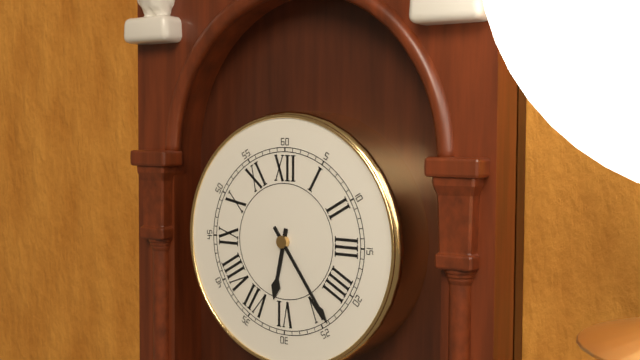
6:24
